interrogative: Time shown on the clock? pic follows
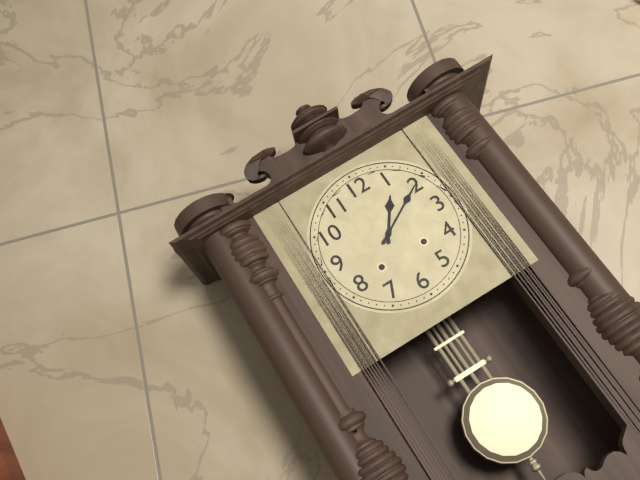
1:10
